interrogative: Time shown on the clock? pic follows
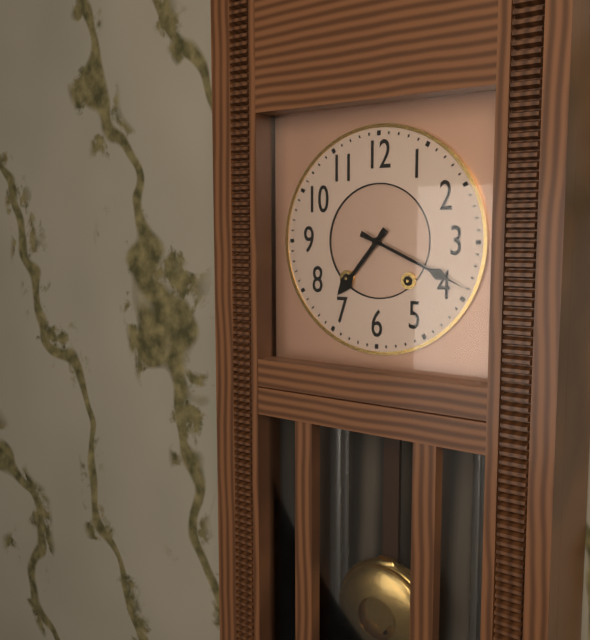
7:19
